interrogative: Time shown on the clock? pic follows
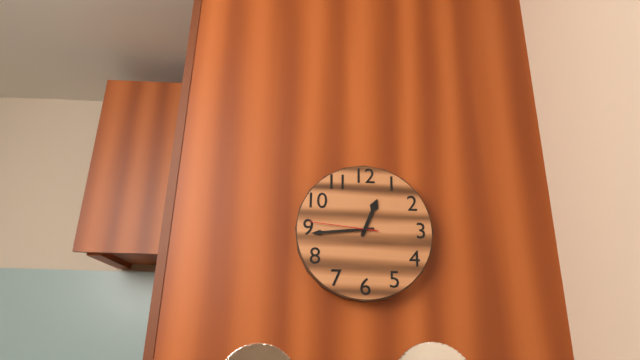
12:44:46
